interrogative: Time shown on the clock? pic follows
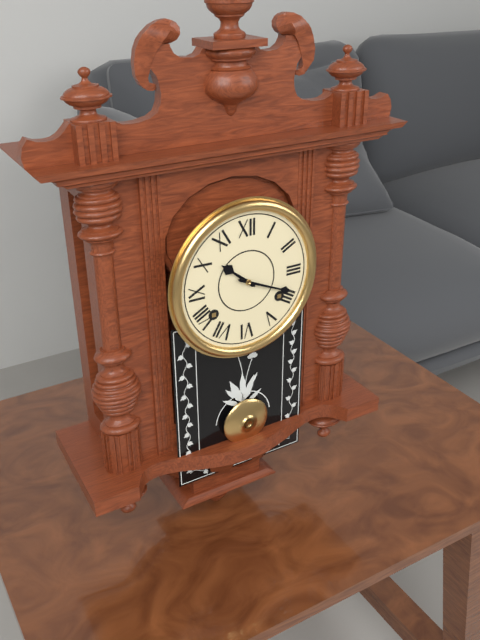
10:19
